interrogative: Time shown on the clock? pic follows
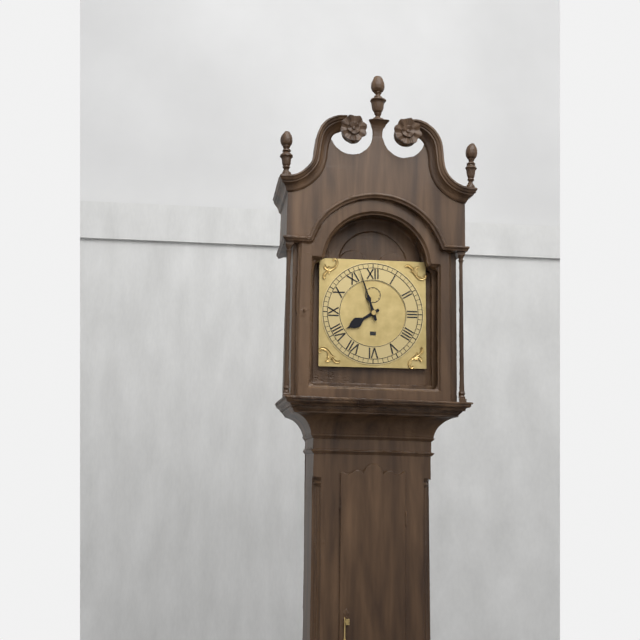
7:57
